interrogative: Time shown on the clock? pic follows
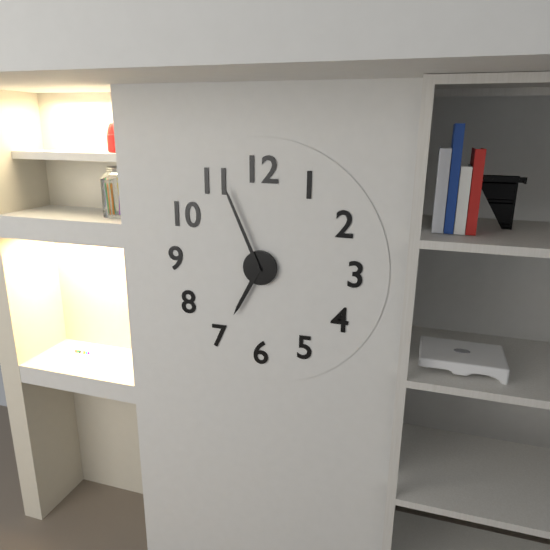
6:56
